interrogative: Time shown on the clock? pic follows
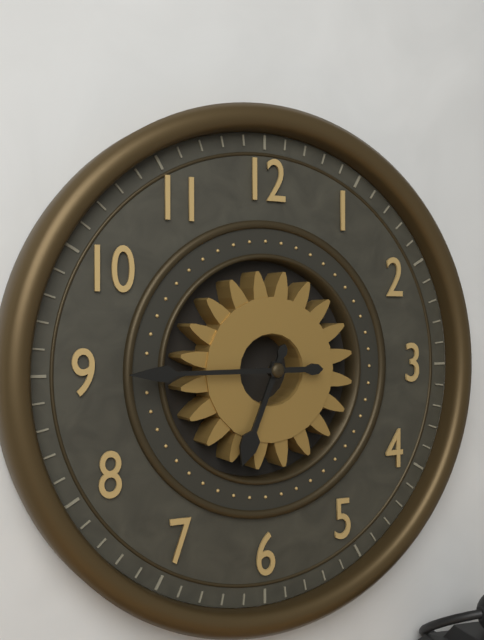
6:45
